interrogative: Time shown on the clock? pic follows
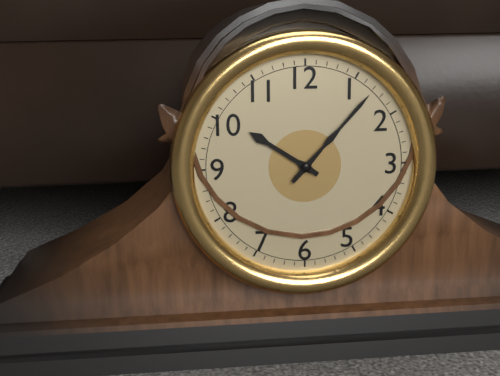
10:07
